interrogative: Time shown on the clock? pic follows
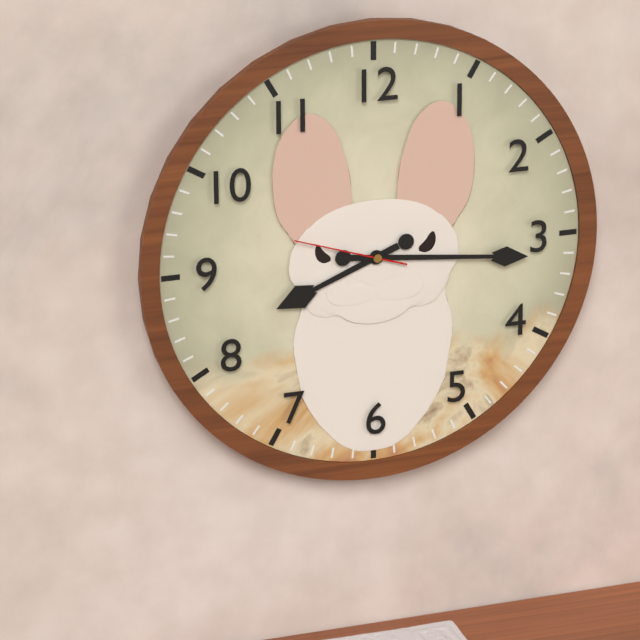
8:16:48
